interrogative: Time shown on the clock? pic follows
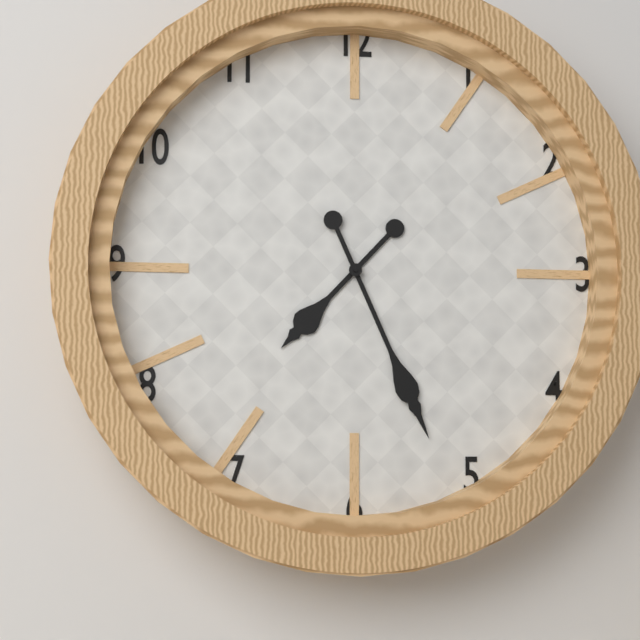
7:26
